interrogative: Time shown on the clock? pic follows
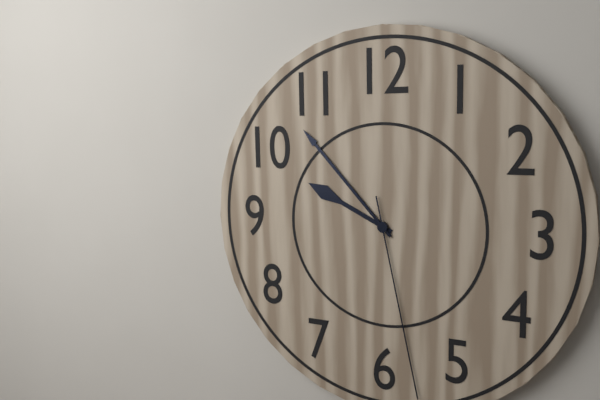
9:53:28
